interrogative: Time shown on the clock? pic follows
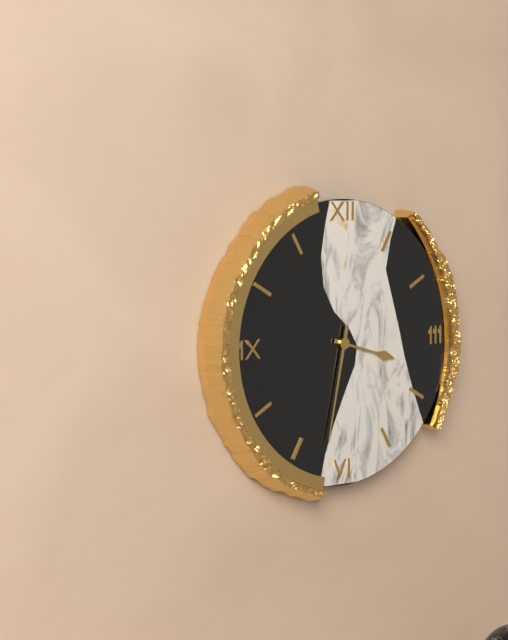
3:32
